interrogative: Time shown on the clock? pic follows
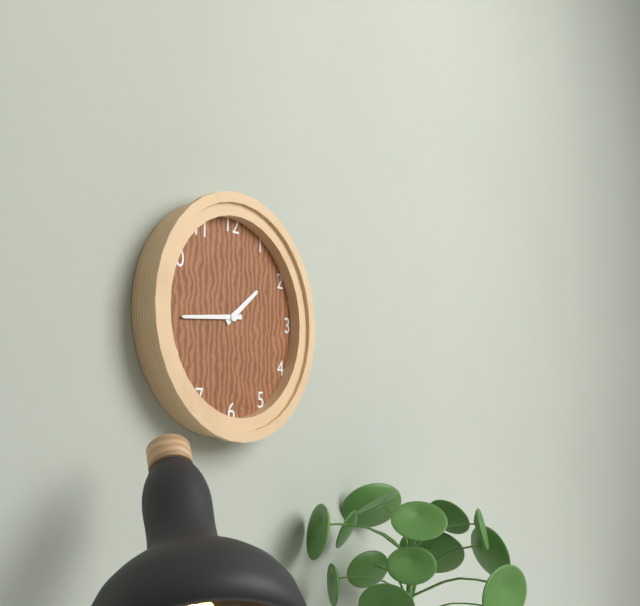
1:44
